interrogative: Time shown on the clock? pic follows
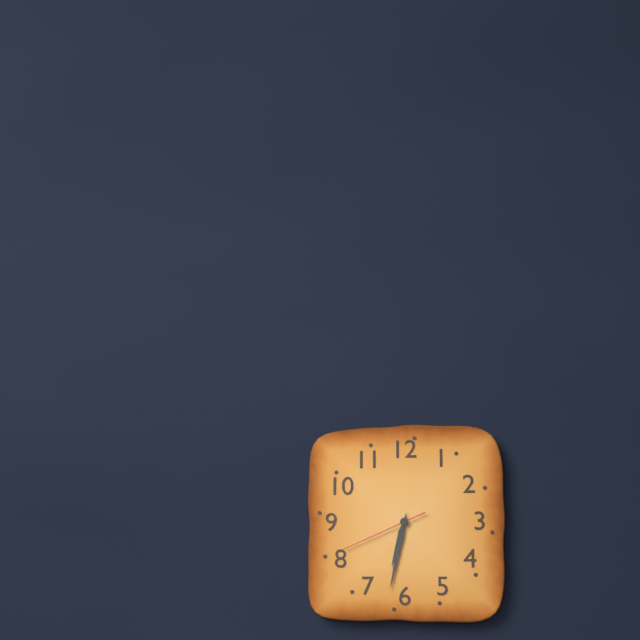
6:32:41
